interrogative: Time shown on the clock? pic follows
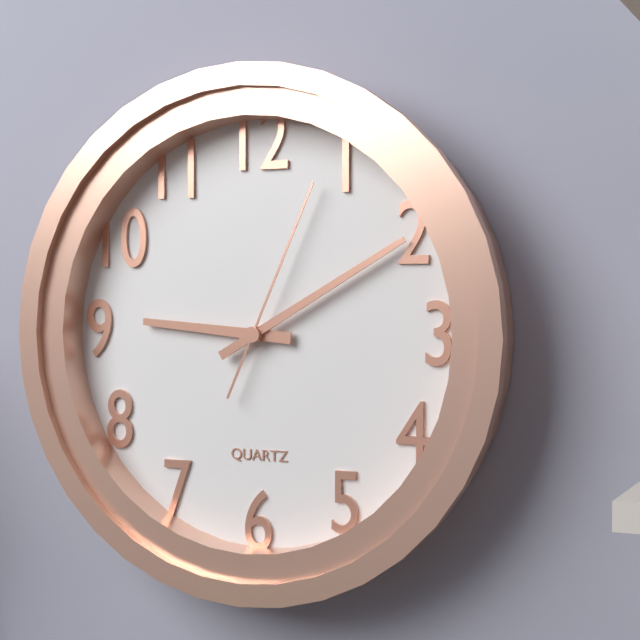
9:10:04
